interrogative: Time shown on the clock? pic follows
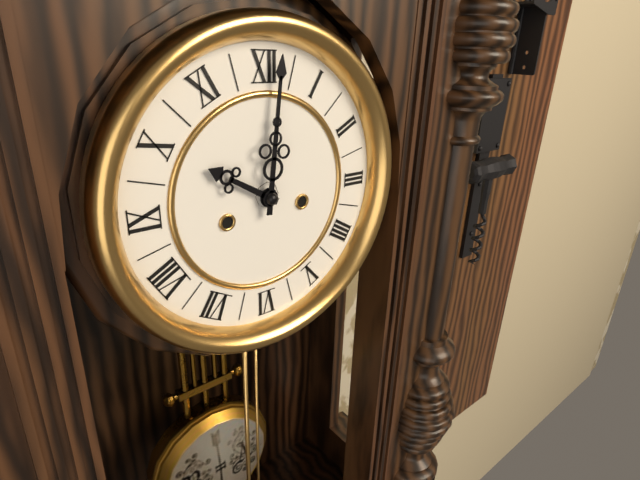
10:01
